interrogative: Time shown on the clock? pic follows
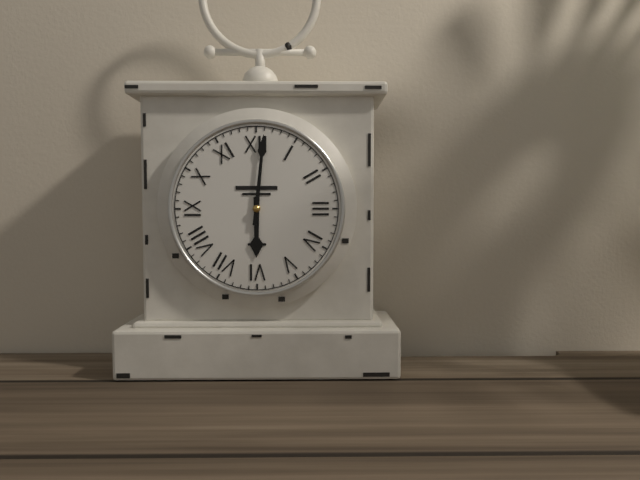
6:01
